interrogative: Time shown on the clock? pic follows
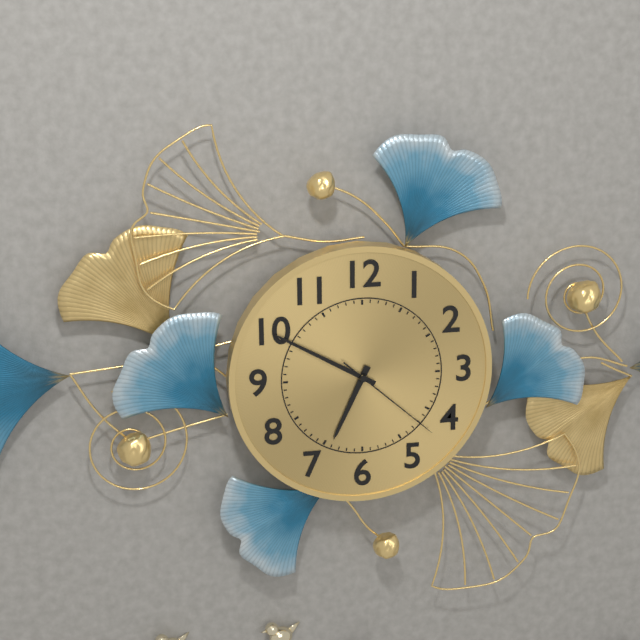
6:50:22
